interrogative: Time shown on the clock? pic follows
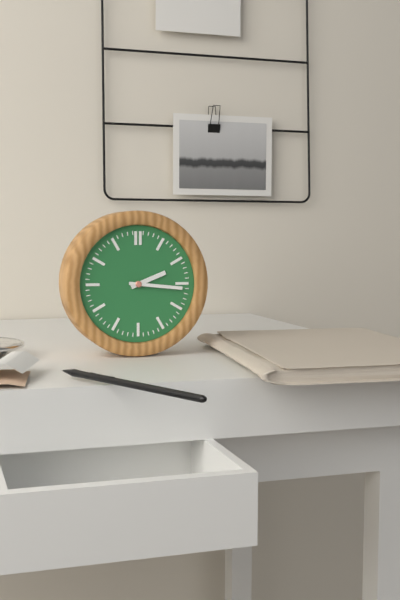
2:16
